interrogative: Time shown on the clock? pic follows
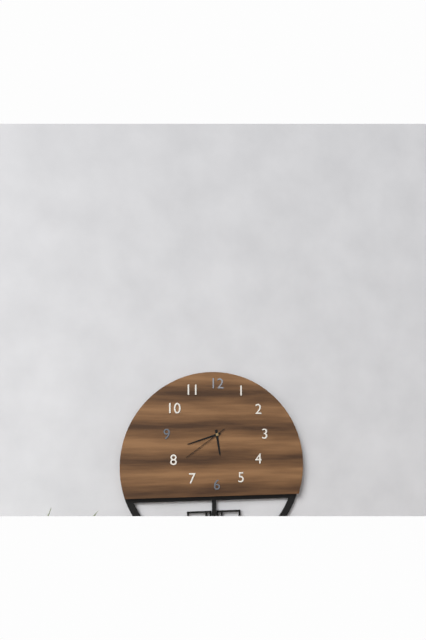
5:42
